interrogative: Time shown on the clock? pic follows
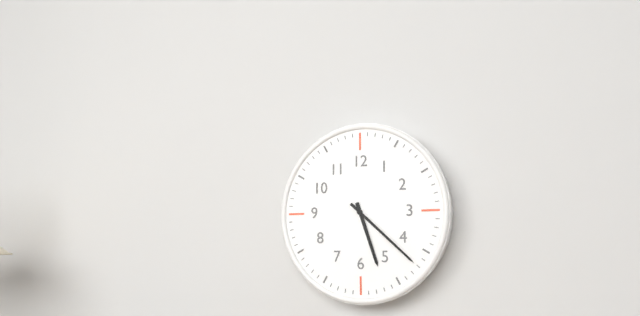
5:22
